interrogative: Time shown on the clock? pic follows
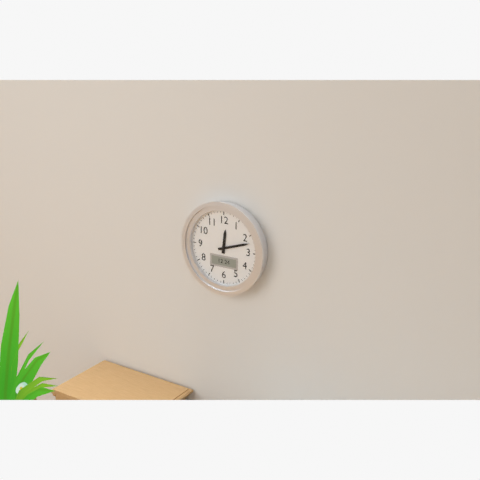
12:12
